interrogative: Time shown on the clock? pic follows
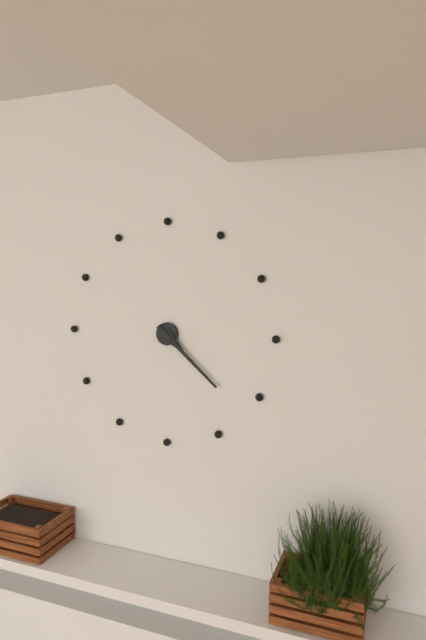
4:22
